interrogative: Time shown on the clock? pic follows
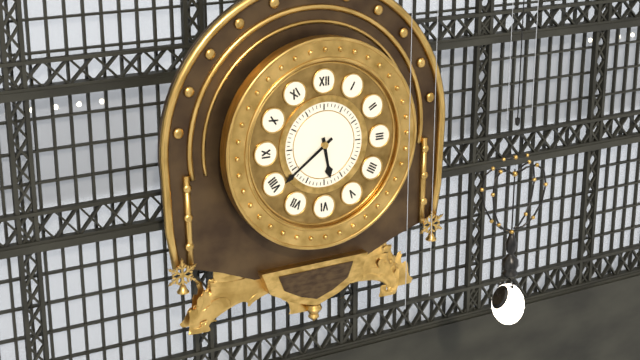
5:39
